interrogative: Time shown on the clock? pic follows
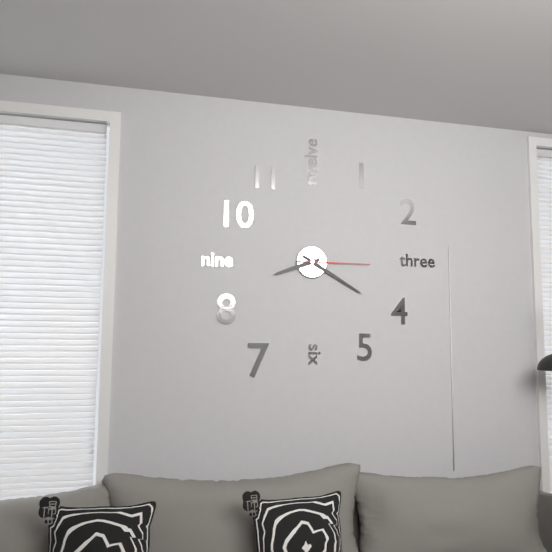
8:20:15
